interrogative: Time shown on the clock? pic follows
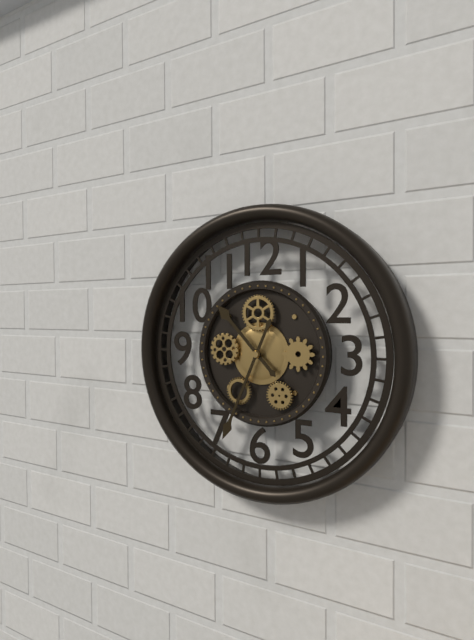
10:34
